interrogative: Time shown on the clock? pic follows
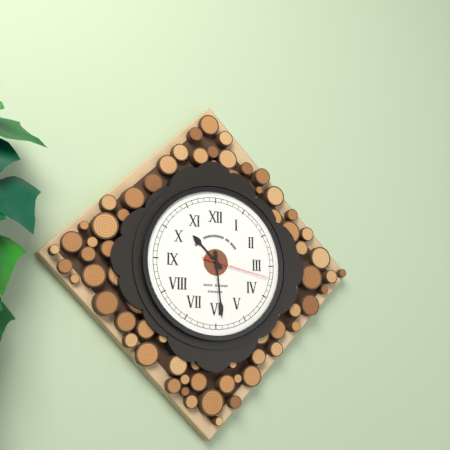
10:29:17
